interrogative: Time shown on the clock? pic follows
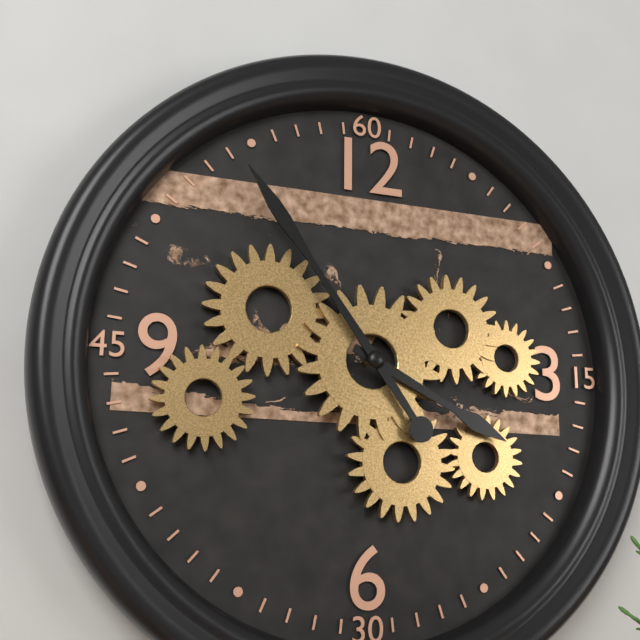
3:54
